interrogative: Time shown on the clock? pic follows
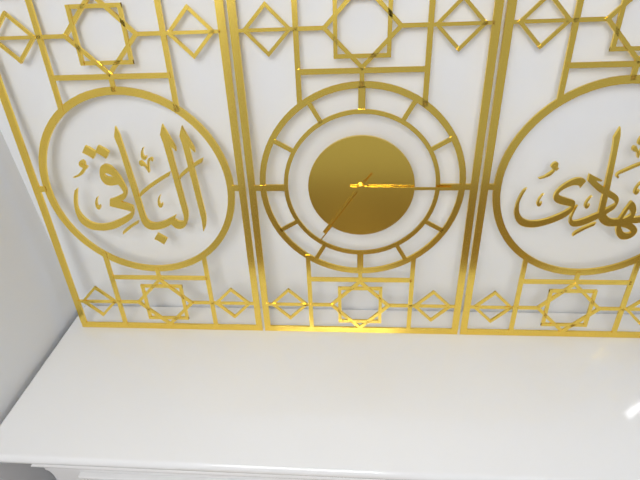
7:15:36
